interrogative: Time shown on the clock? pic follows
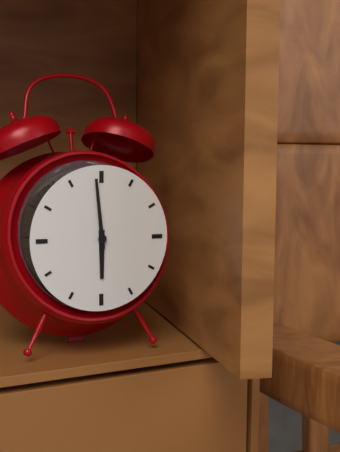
5:59
